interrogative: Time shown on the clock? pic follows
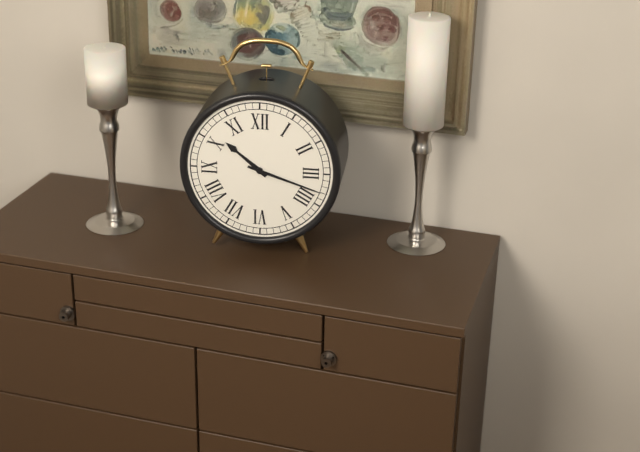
10:18
